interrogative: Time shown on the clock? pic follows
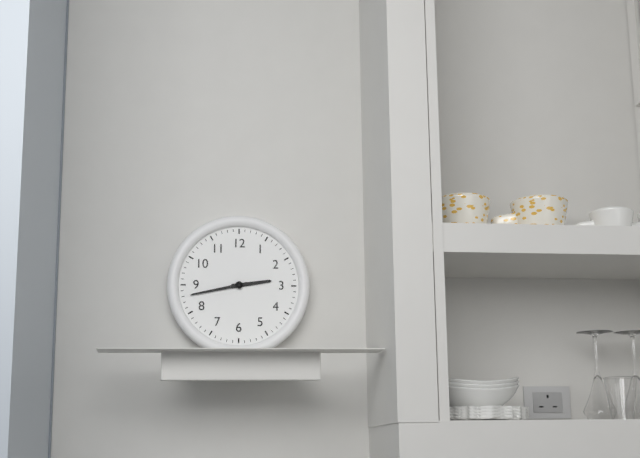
2:43
